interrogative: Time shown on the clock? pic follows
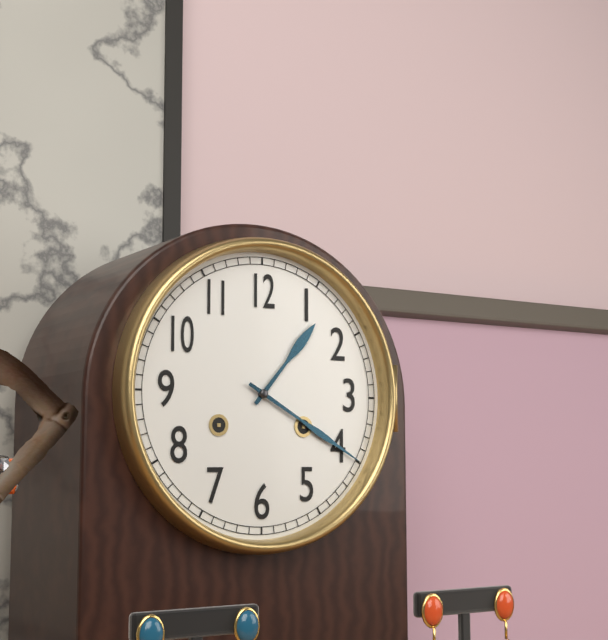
1:20
